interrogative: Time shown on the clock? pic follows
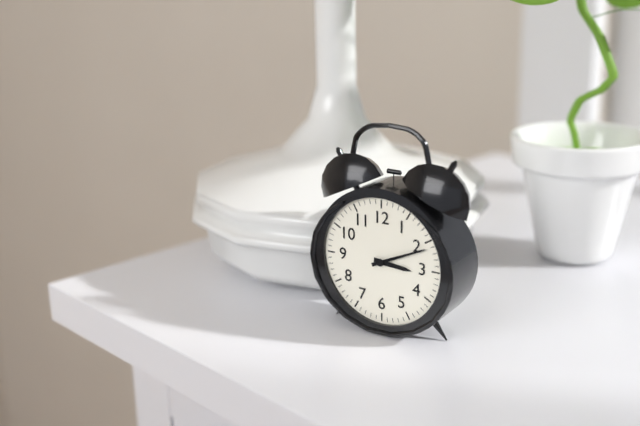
3:11
